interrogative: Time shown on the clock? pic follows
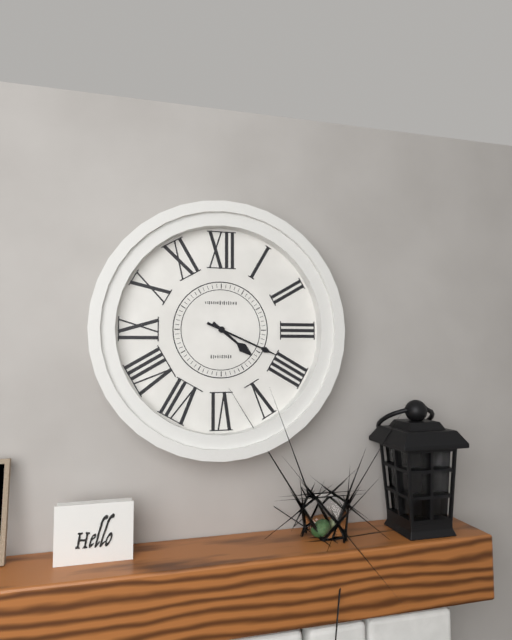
4:19
